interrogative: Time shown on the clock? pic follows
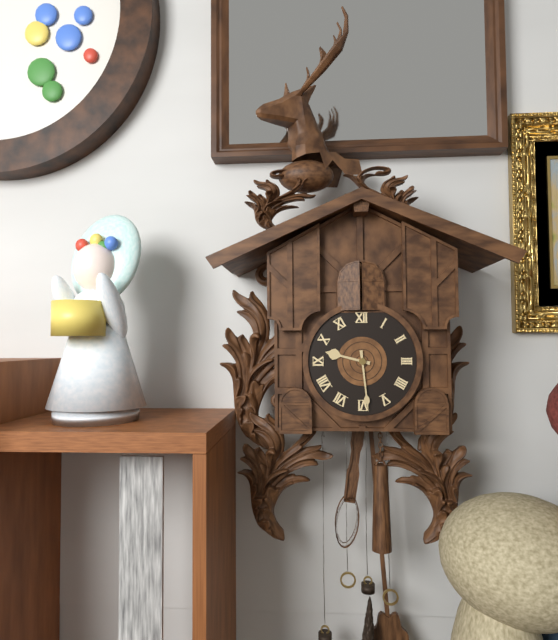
9:29
